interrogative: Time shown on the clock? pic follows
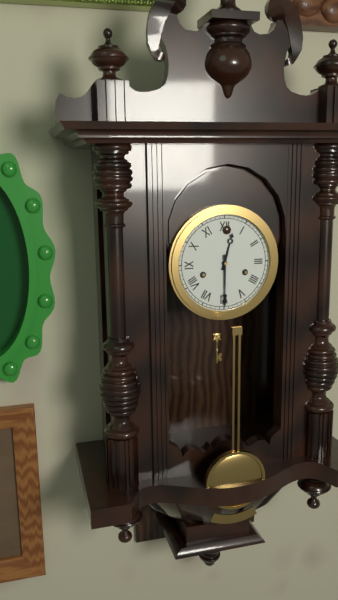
12:30
